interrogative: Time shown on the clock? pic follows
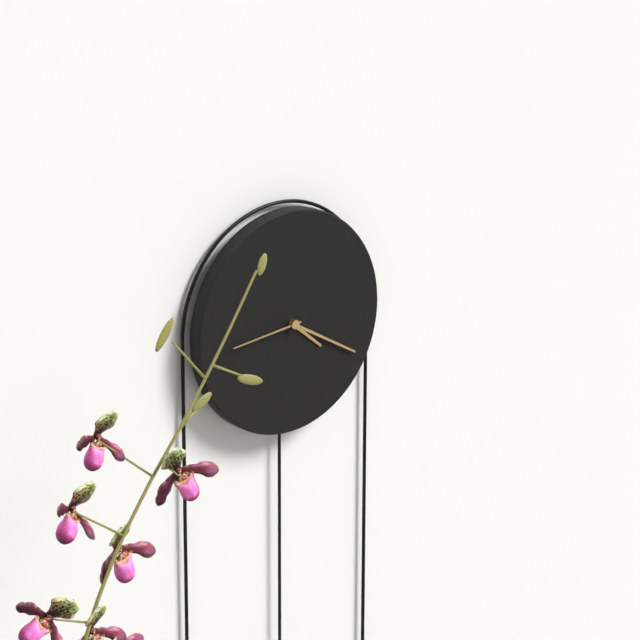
4:20:44
